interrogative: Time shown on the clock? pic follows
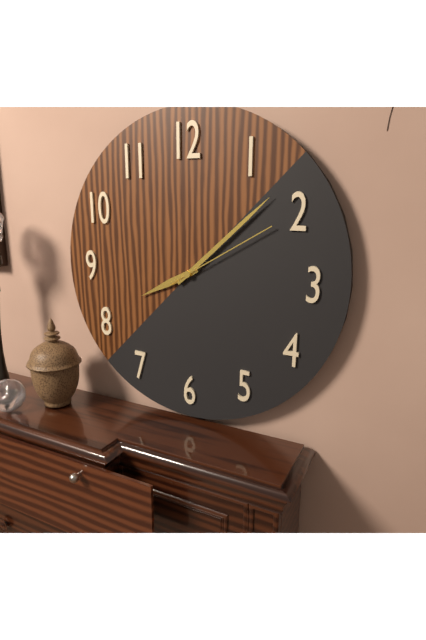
8:08:10
